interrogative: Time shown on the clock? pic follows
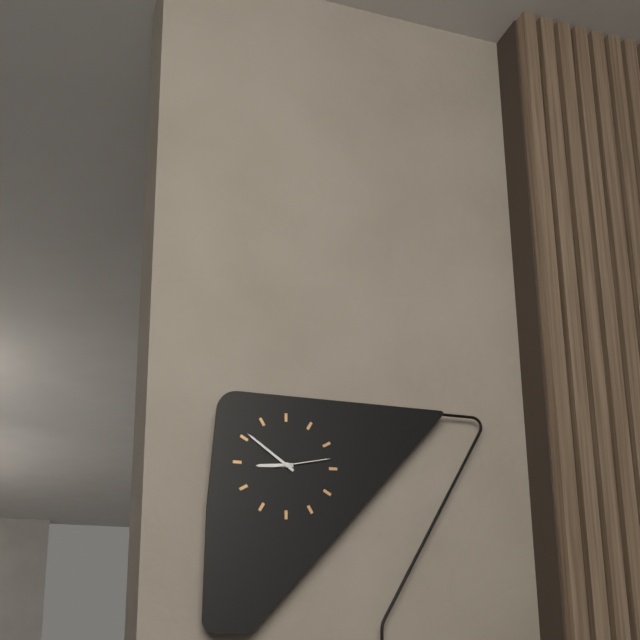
8:51:13
